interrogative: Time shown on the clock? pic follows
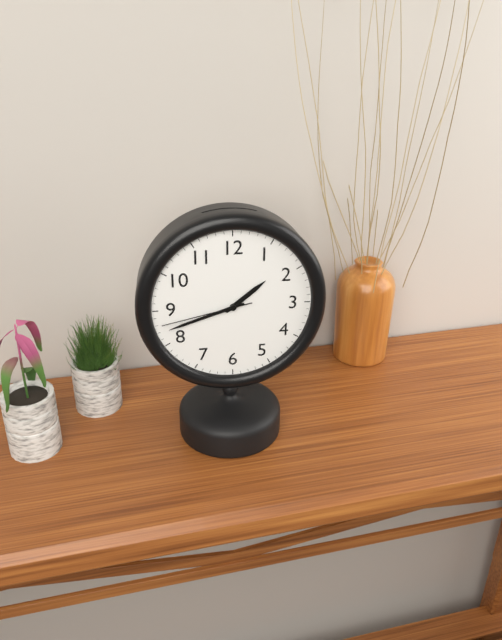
1:42:43
